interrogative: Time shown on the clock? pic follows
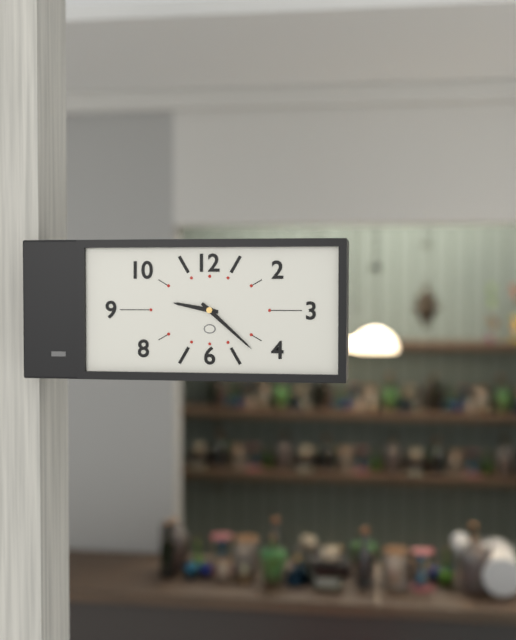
9:22
